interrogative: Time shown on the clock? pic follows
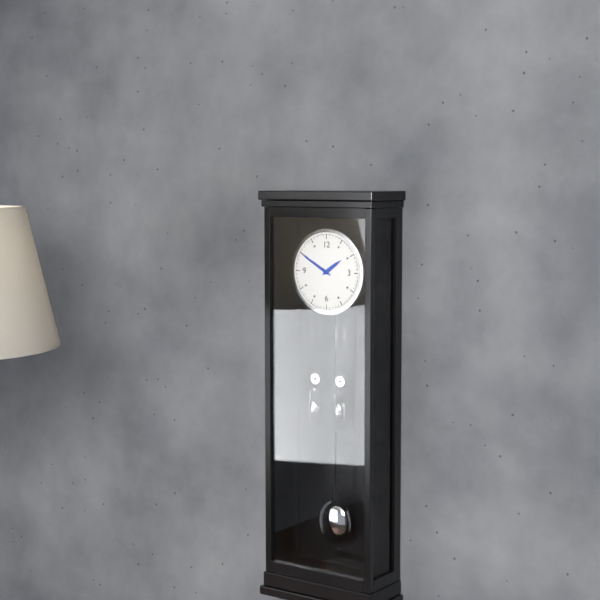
1:50
